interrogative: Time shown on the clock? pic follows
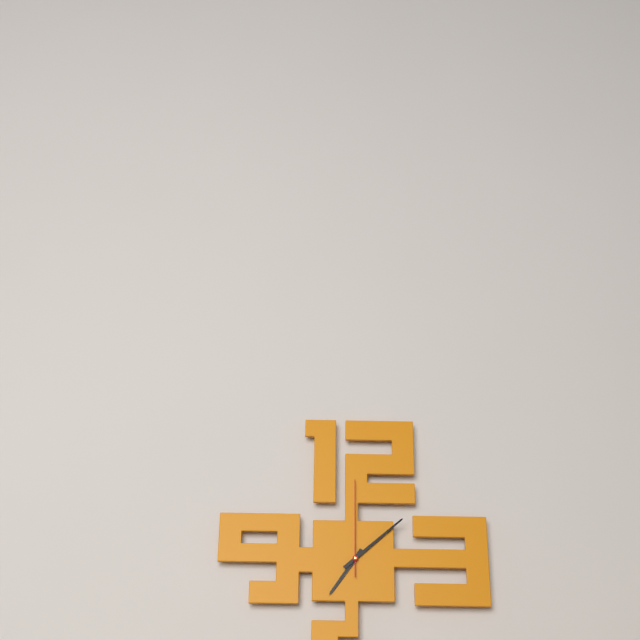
7:08:00
